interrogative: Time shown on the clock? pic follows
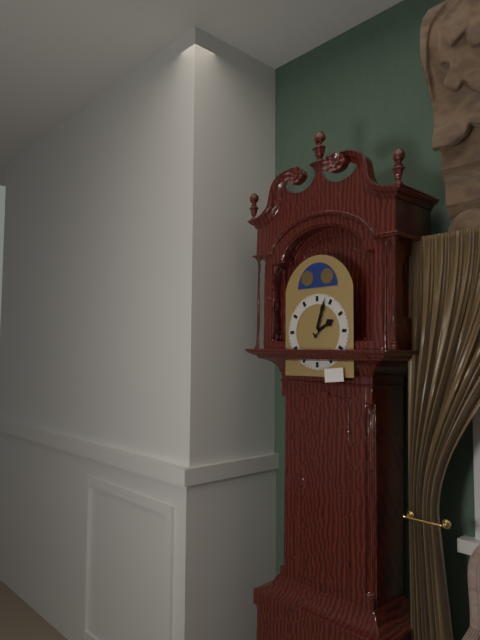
2:03
